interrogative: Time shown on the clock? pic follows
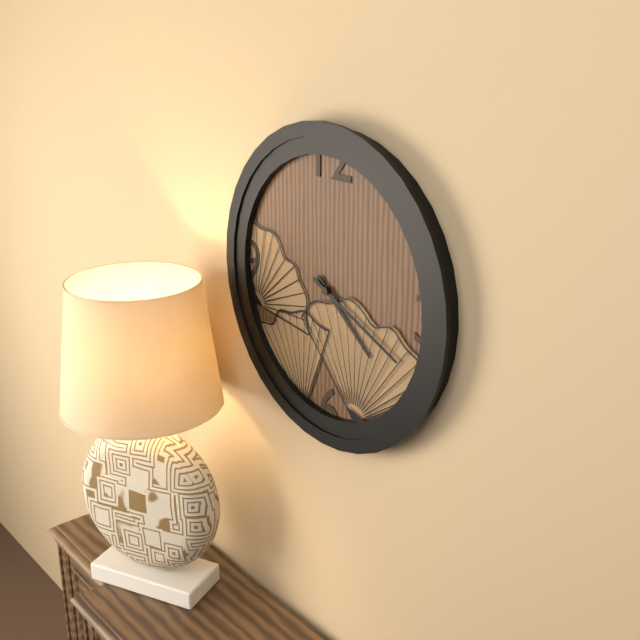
4:19
